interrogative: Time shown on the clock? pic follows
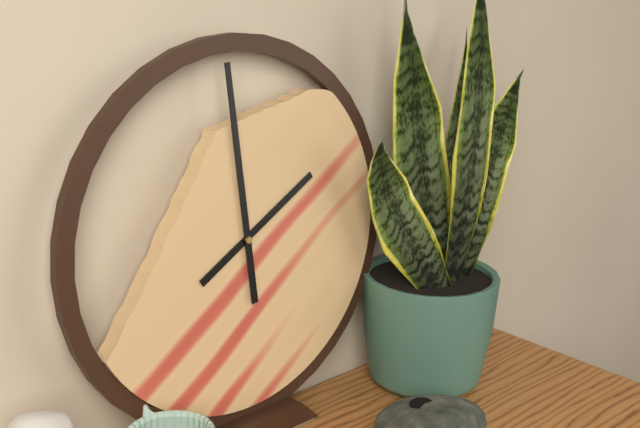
1:59
